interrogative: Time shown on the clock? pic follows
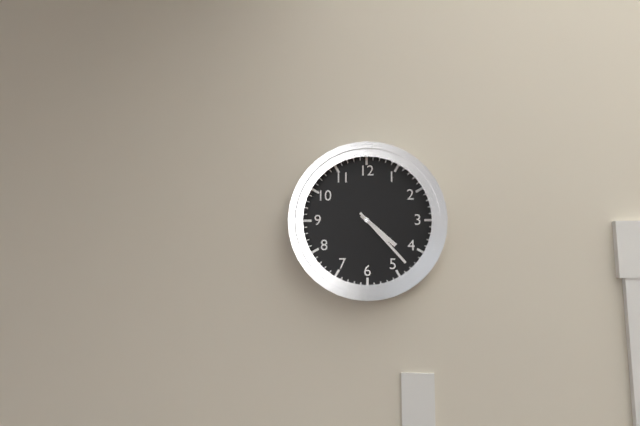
4:23
